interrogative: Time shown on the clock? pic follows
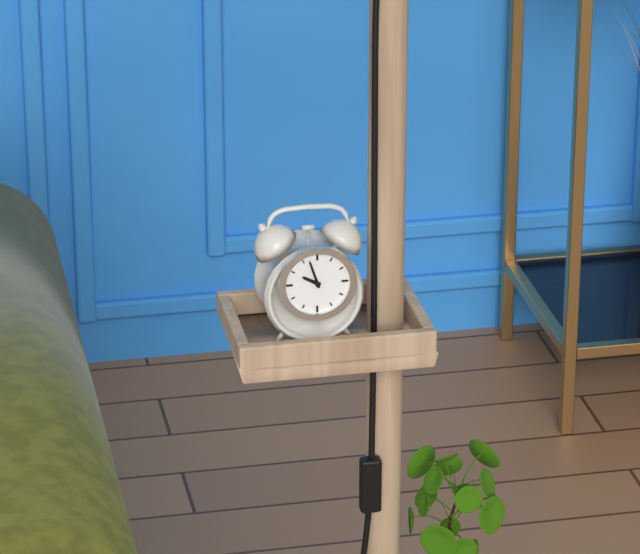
9:57
